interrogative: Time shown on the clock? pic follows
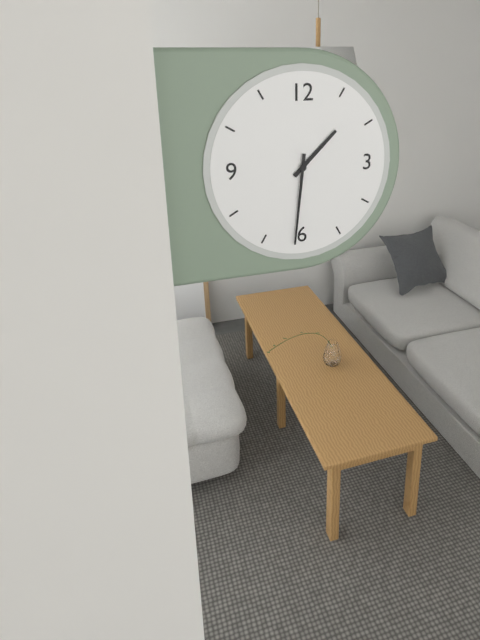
1:31
